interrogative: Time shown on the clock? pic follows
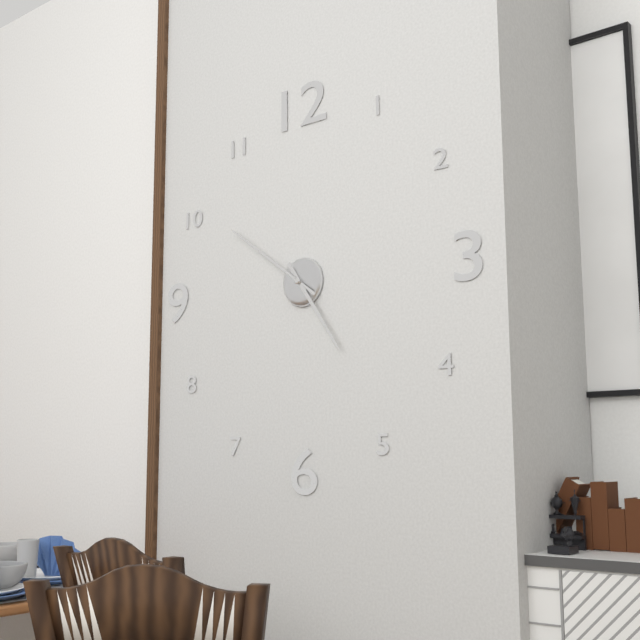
4:51
